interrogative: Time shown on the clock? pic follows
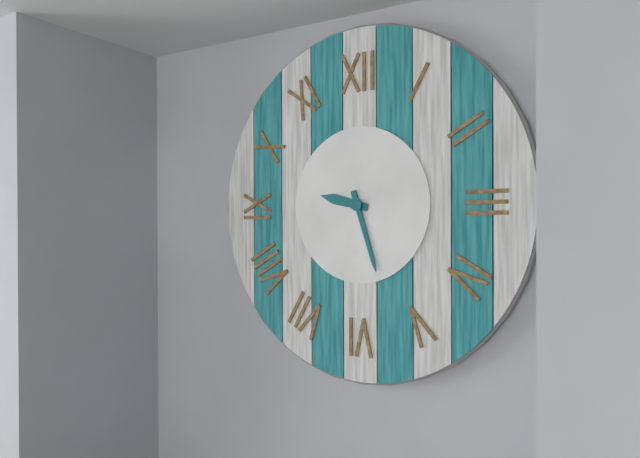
9:27
